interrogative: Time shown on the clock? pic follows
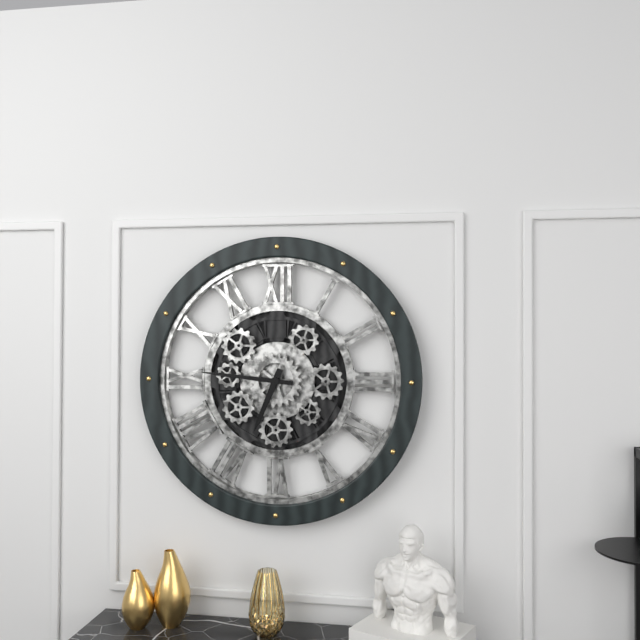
6:46
